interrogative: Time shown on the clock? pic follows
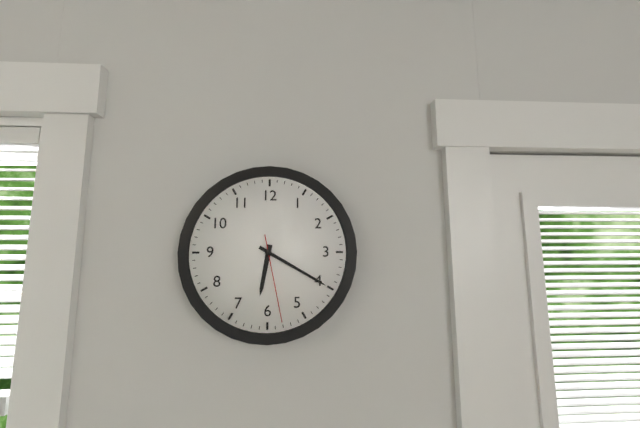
6:20:28
